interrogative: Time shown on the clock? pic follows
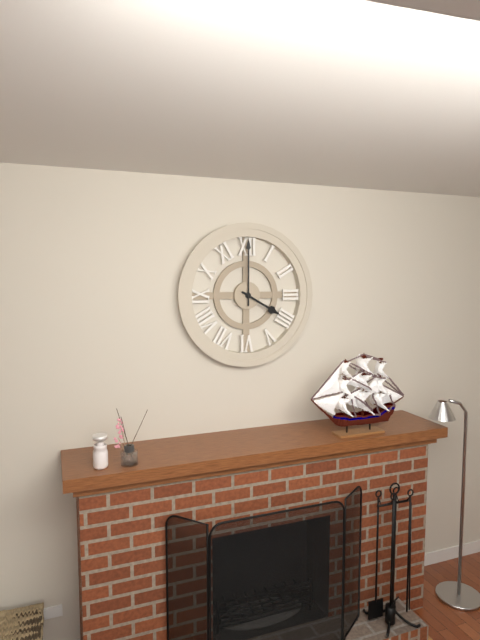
4:00
